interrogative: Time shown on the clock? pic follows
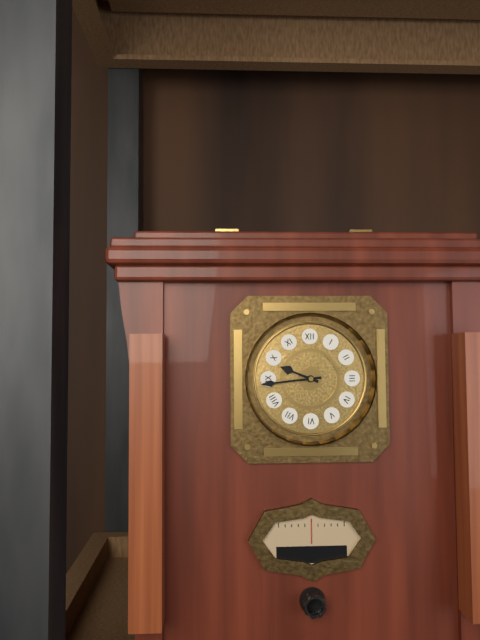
9:44
